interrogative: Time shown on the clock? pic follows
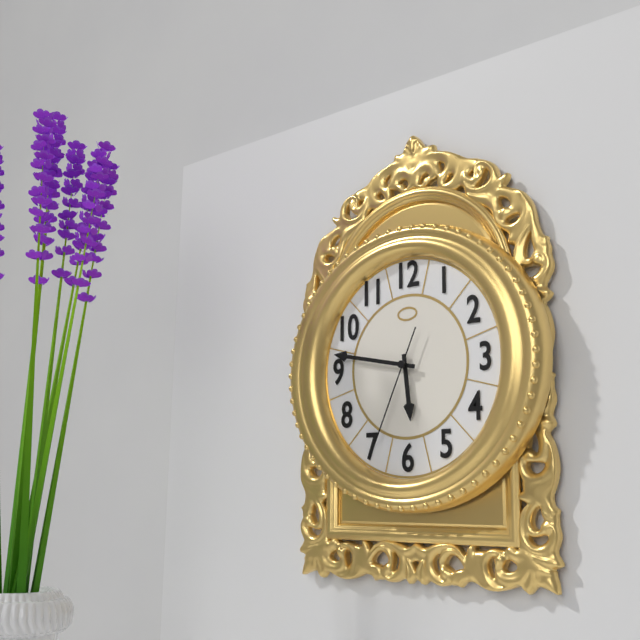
5:47:34
